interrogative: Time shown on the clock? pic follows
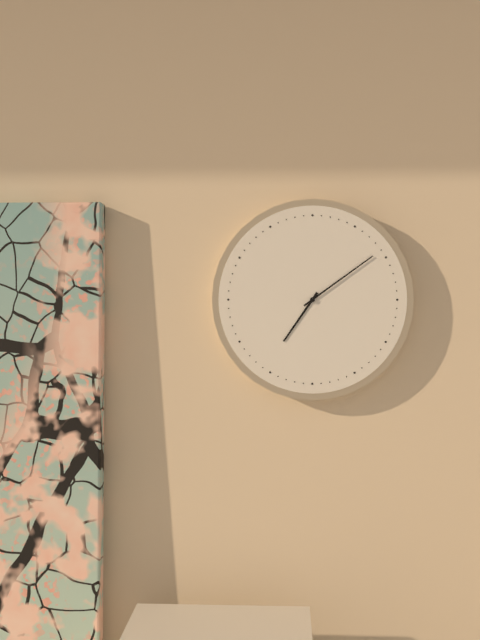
7:09
